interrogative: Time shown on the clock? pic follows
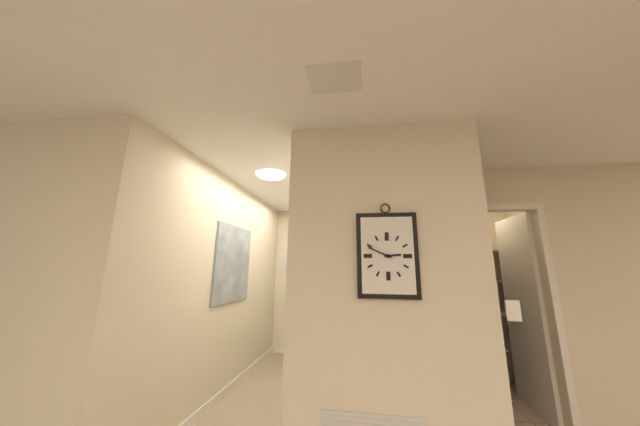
2:49
